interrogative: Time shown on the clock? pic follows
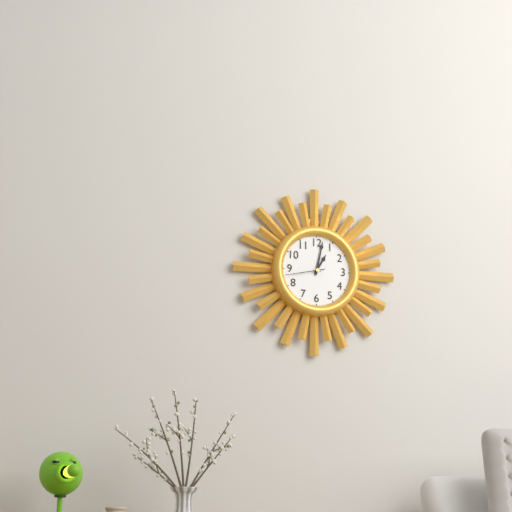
1:02
